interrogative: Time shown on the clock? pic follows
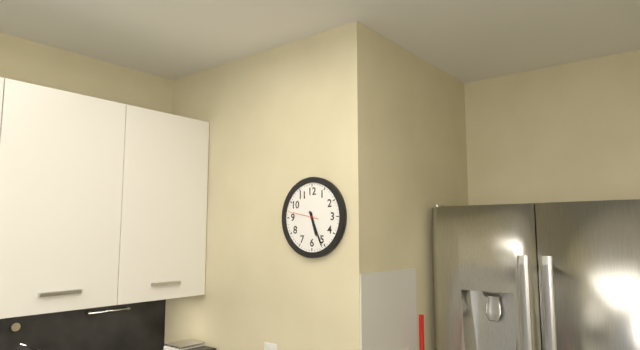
5:26
